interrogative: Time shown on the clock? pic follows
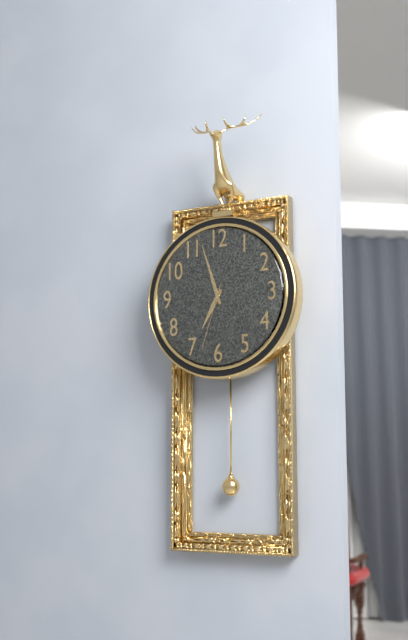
6:57:33
